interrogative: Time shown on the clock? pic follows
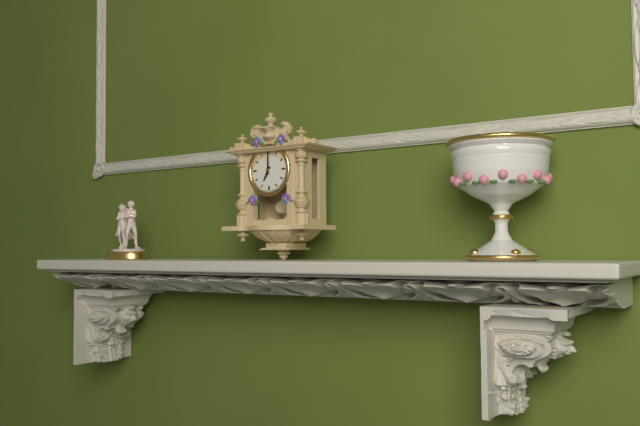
7:00
